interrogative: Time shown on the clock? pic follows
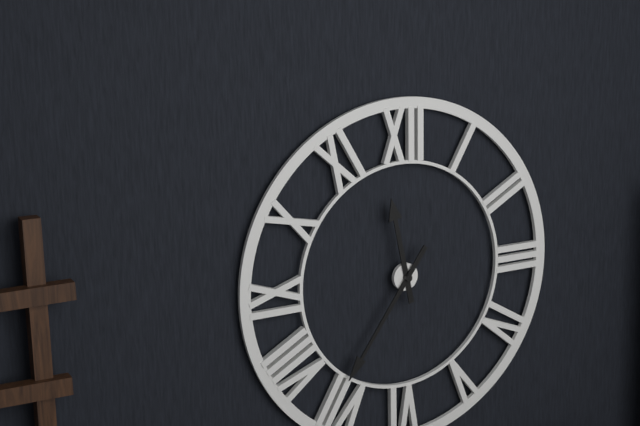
11:36
